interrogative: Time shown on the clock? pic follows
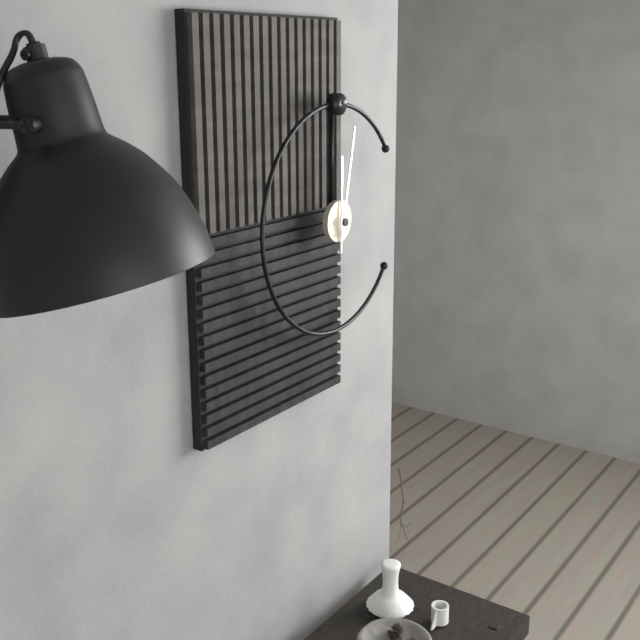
12:02
